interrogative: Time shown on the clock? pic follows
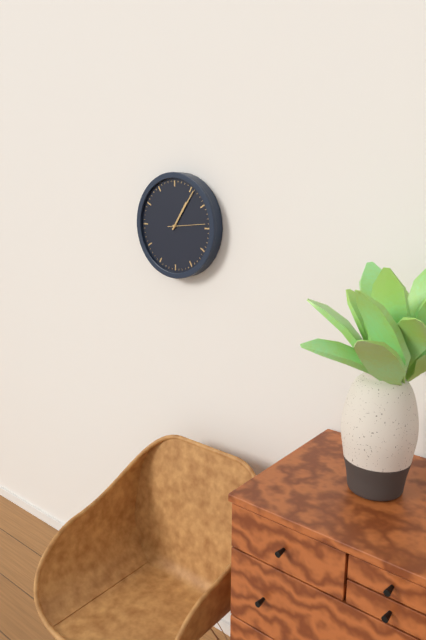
1:06
